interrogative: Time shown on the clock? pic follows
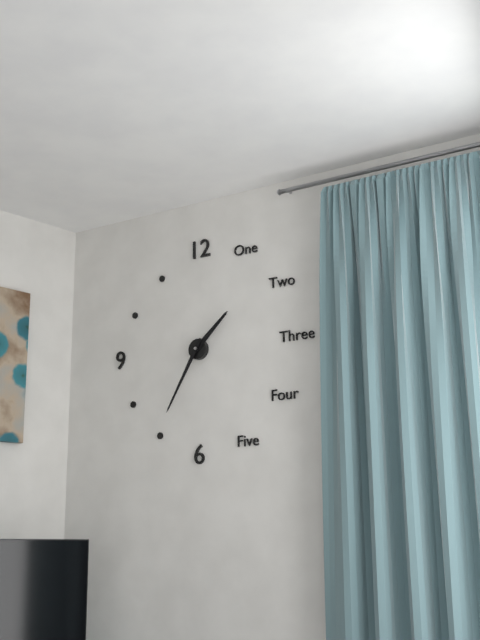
1:35
